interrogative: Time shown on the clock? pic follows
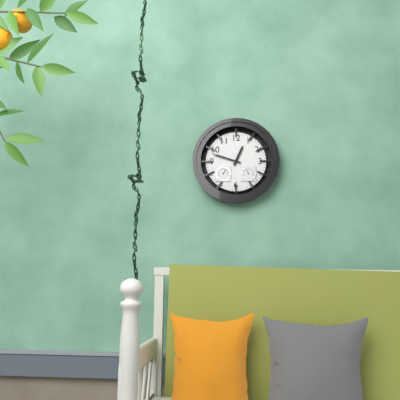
12:48
